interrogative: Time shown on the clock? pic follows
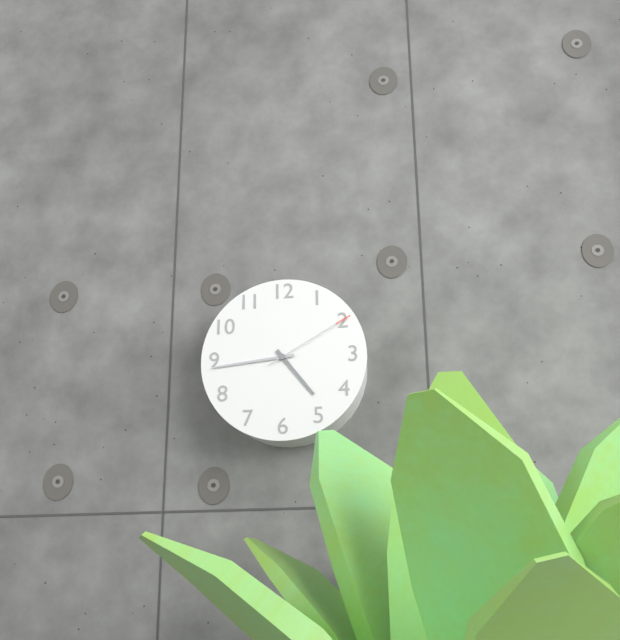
4:44:10
